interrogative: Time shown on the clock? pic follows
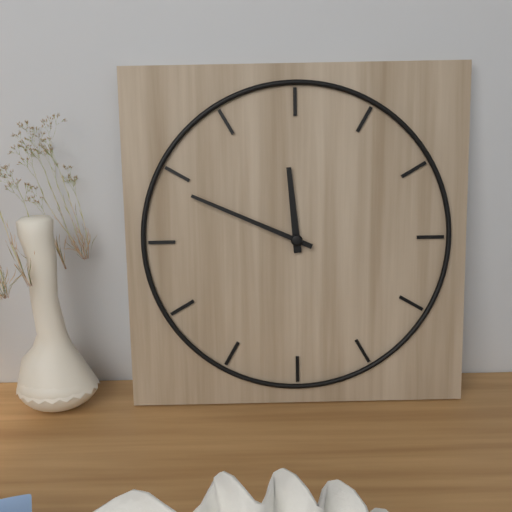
11:49
